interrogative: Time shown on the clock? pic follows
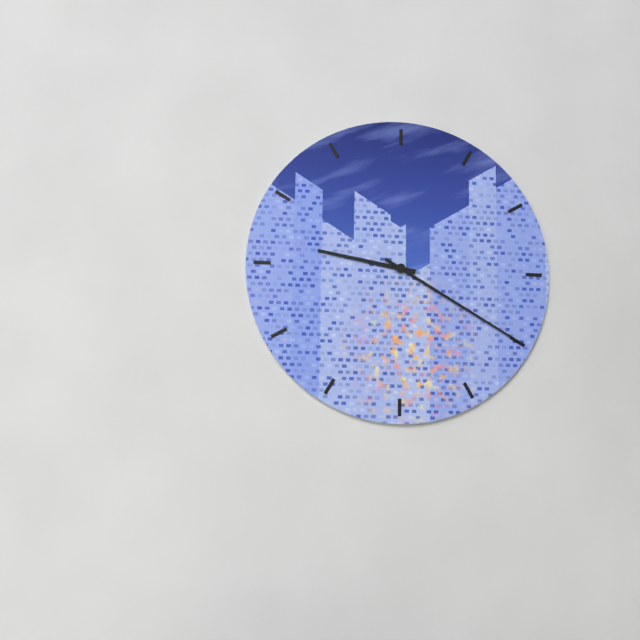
9:20
